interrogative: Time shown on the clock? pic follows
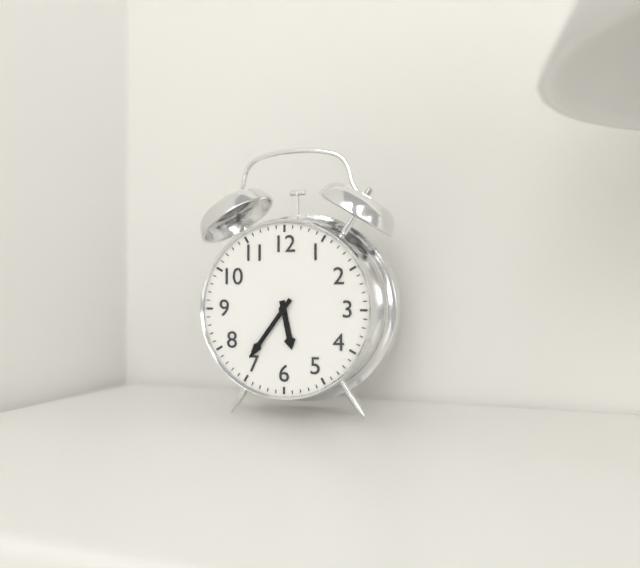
5:36
